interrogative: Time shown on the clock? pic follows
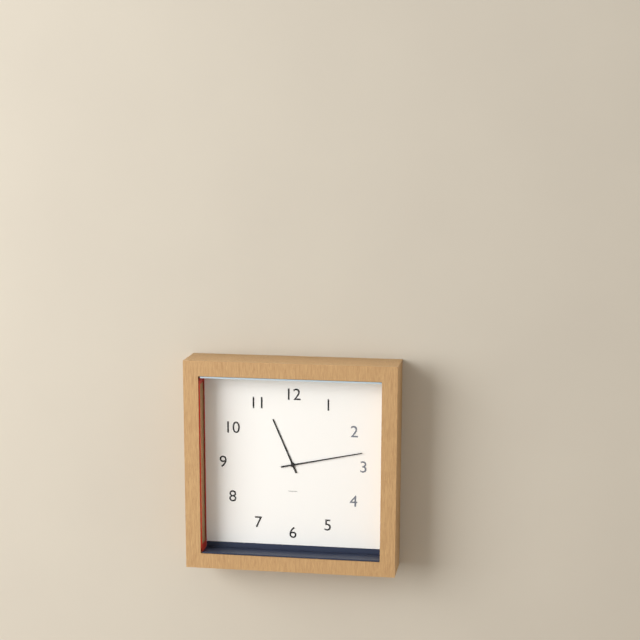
11:13
